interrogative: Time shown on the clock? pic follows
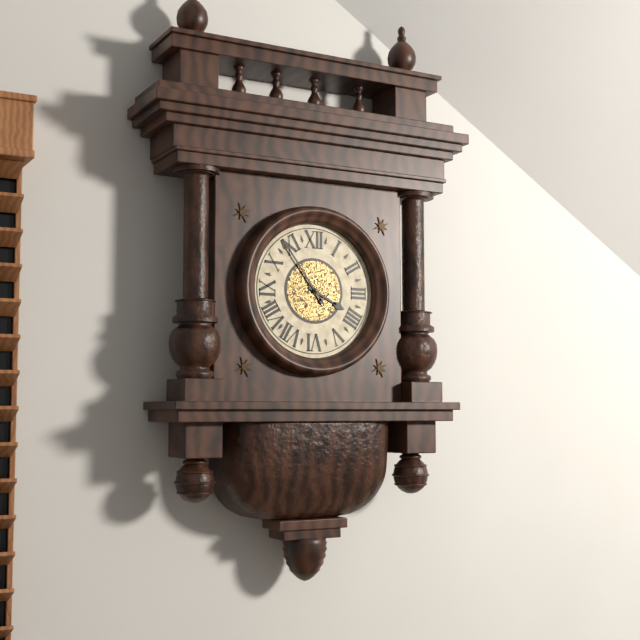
3:54
